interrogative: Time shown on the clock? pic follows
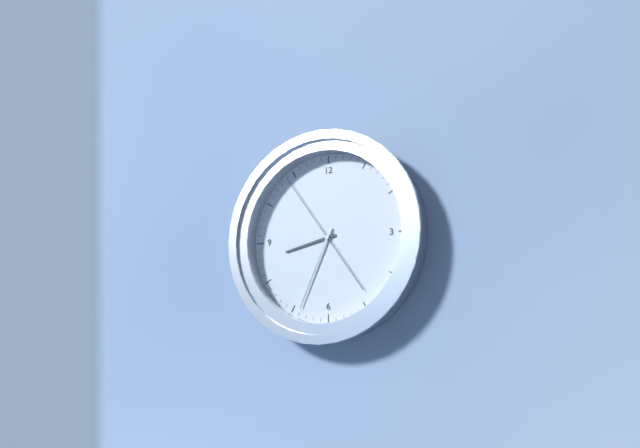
8:34:54
